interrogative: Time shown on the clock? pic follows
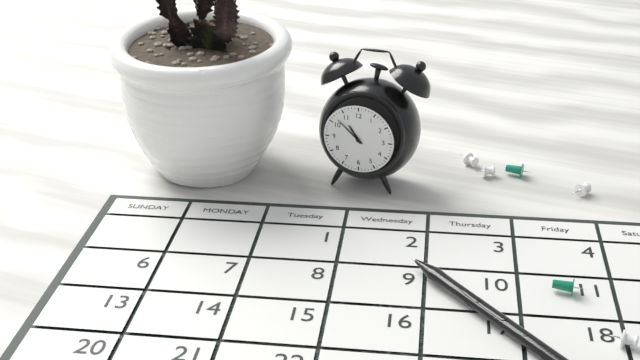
10:52
